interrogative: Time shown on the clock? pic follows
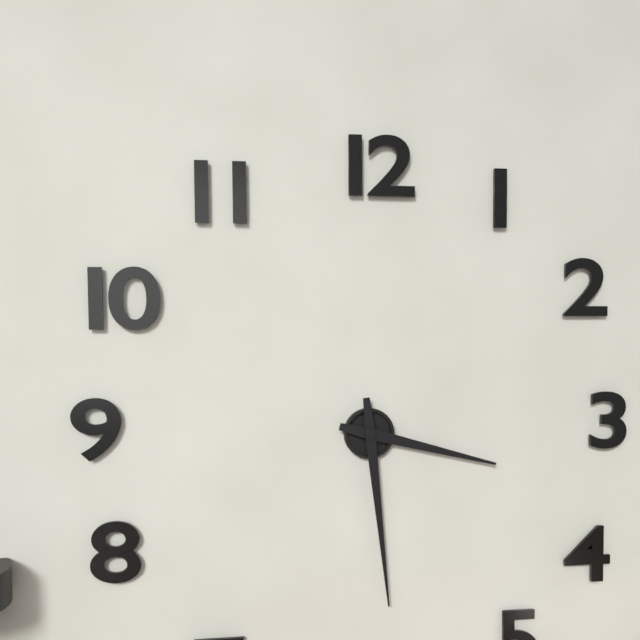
3:29
